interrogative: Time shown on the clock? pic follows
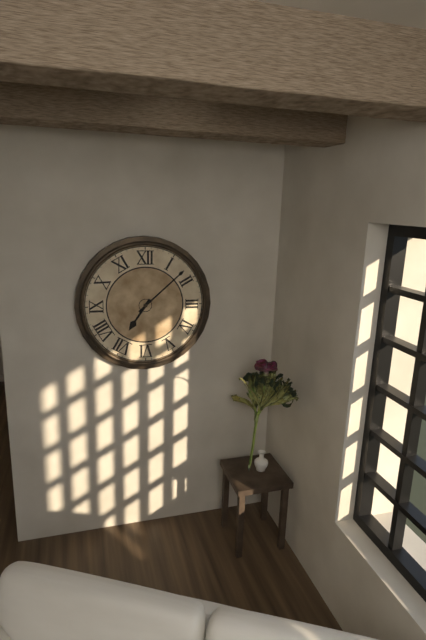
7:08
